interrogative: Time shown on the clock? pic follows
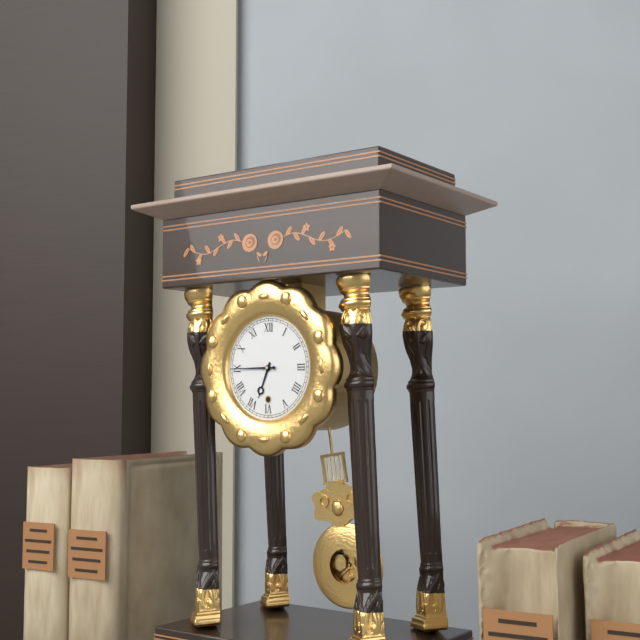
6:45
